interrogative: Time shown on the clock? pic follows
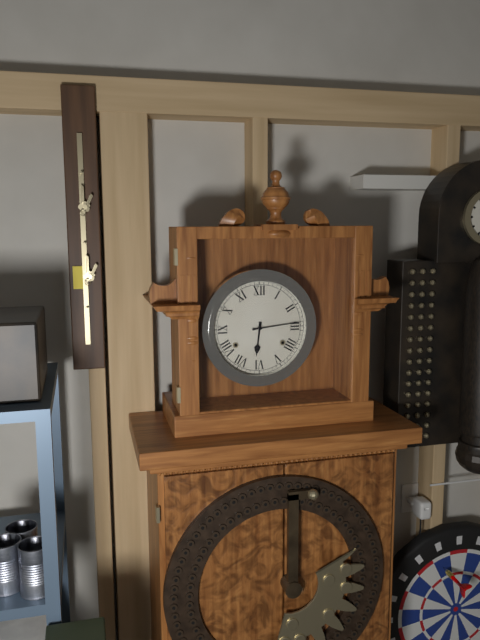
6:14
